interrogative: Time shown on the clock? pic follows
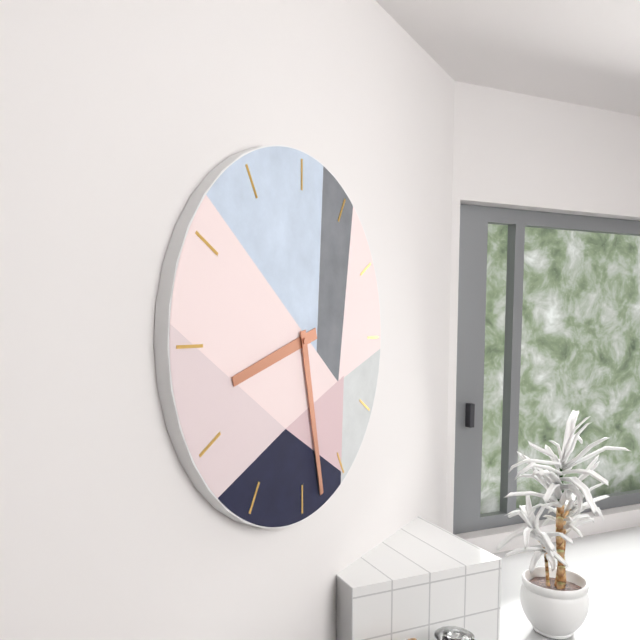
8:28
